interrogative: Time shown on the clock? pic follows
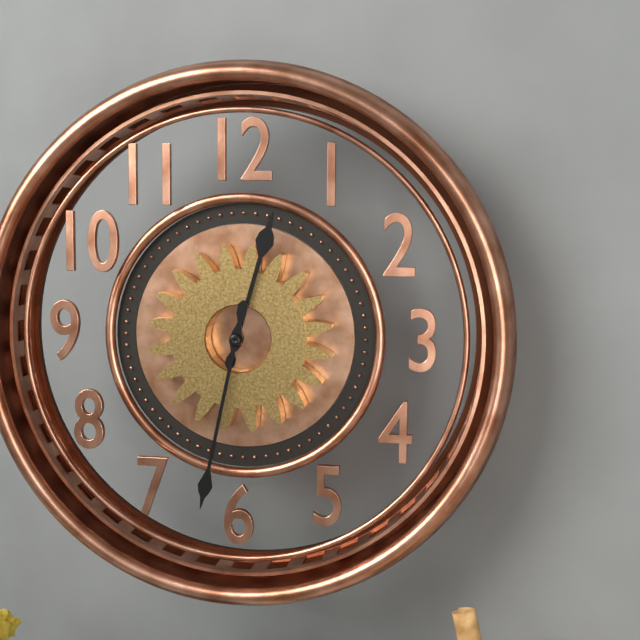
12:32
